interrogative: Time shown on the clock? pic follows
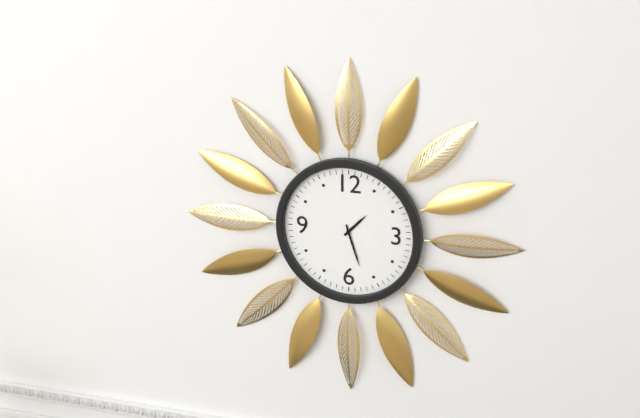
1:27
